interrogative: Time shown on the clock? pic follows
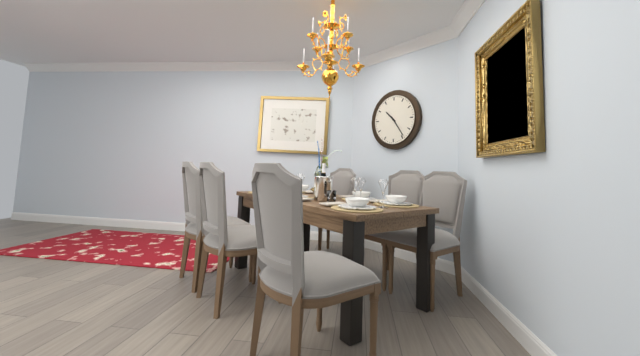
10:24
